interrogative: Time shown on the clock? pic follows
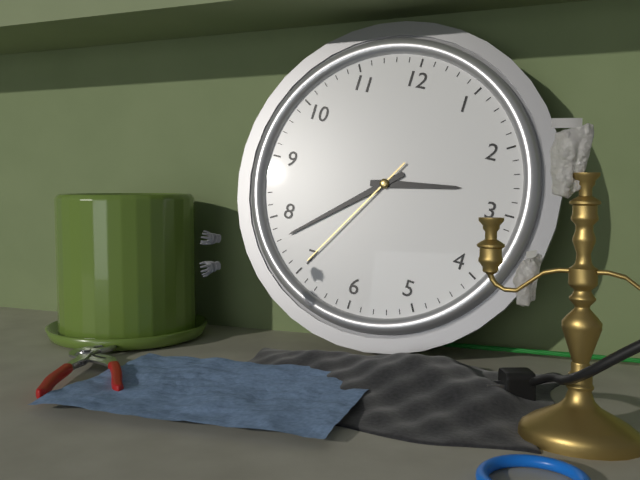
2:38:35
